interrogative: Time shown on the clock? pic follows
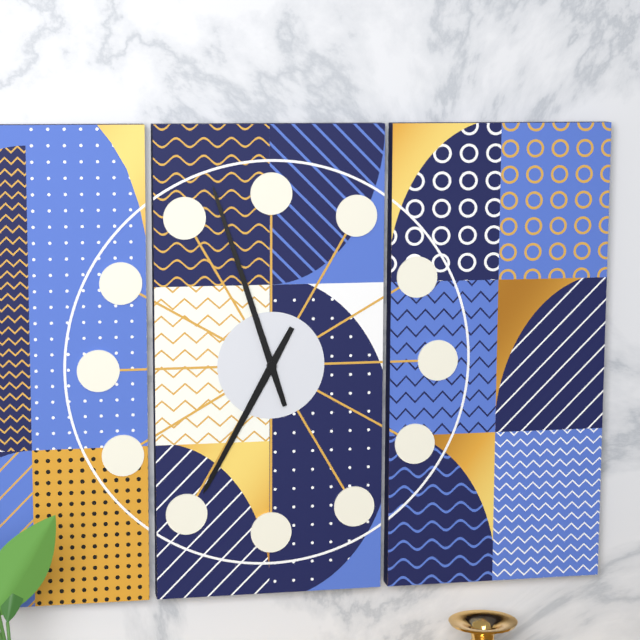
6:57
